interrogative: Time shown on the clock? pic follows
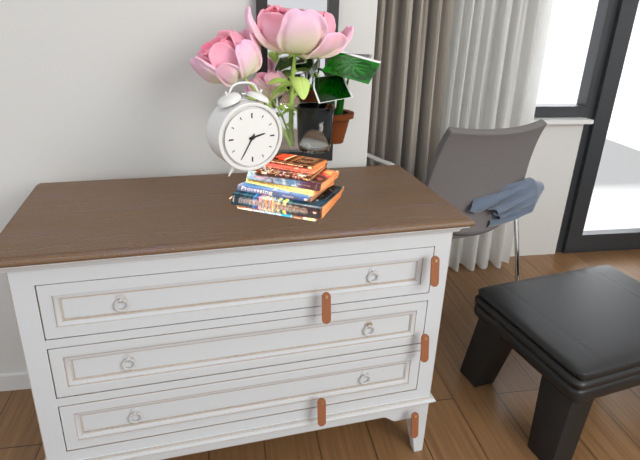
2:35
